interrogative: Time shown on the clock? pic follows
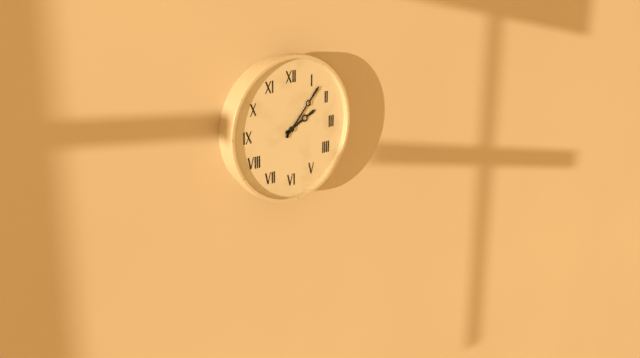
2:07
